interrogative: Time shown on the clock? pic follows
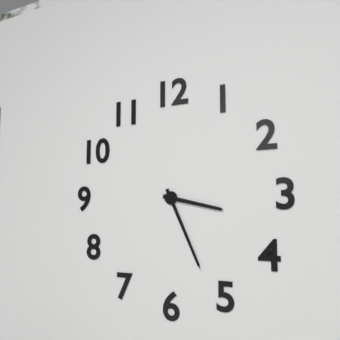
3:26
